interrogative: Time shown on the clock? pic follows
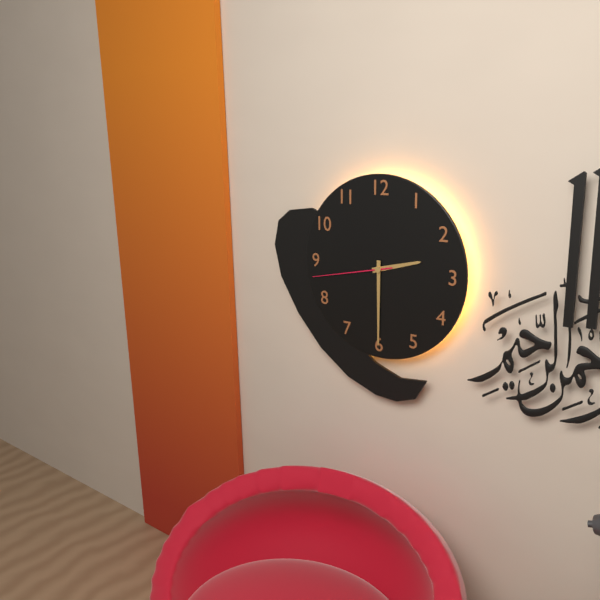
2:30:43
